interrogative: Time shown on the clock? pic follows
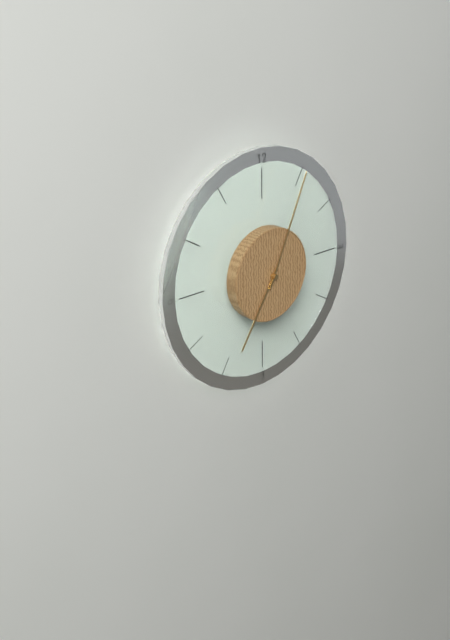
7:04
